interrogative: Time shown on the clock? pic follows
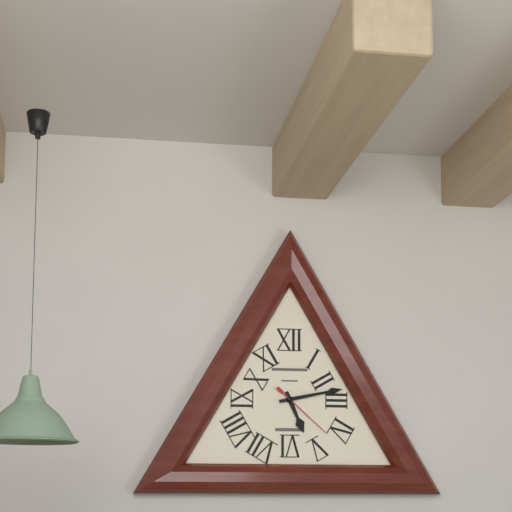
5:13:22
